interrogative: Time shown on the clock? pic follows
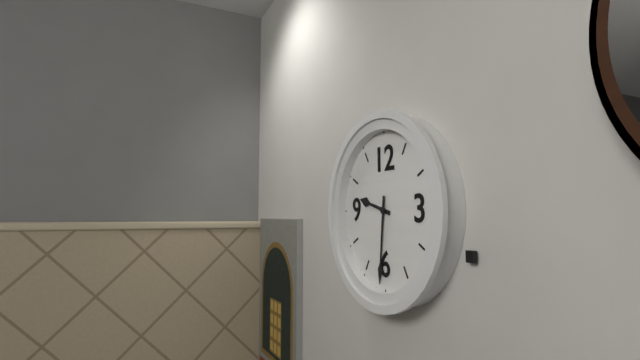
9:31
